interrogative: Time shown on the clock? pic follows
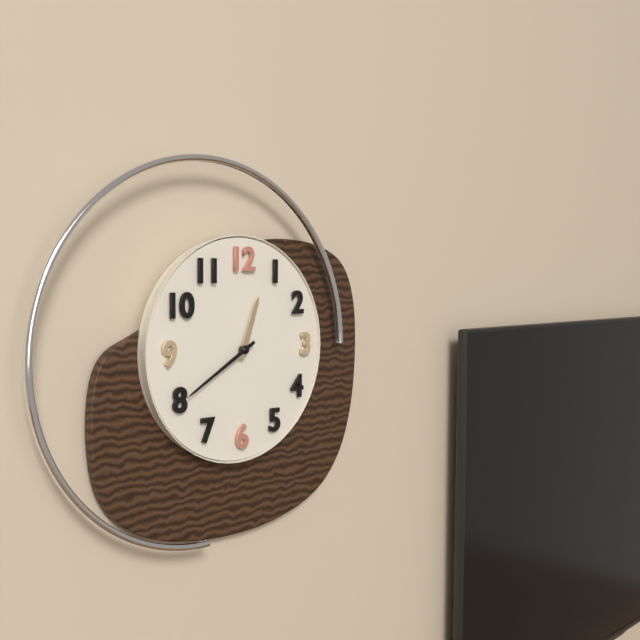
12:40
